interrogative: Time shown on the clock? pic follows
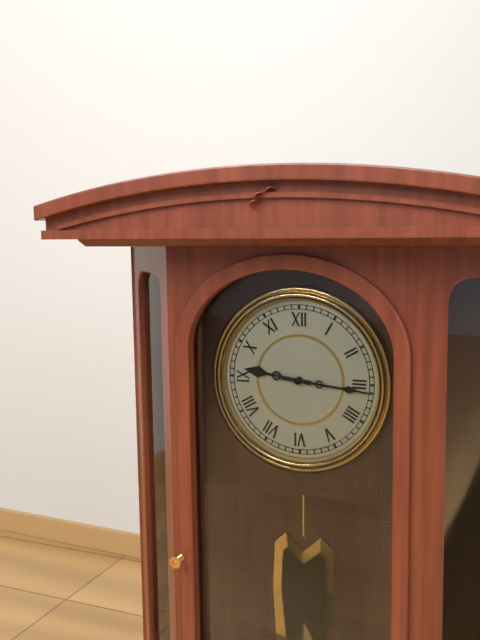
9:16
